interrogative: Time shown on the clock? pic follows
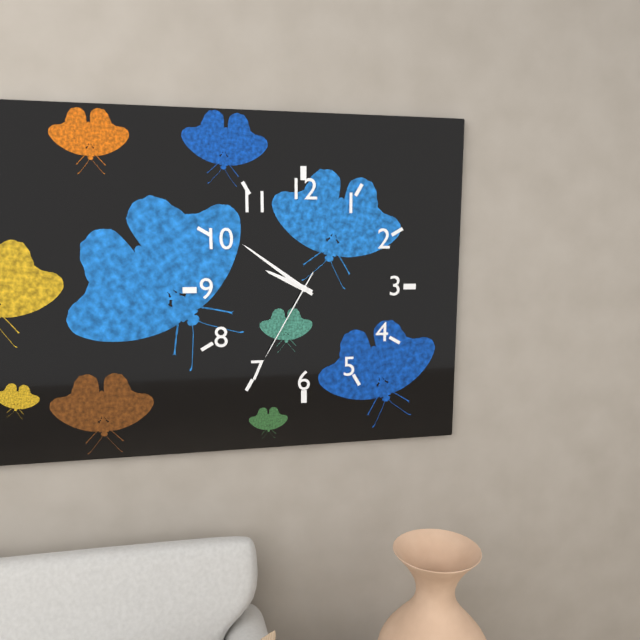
9:51:35
